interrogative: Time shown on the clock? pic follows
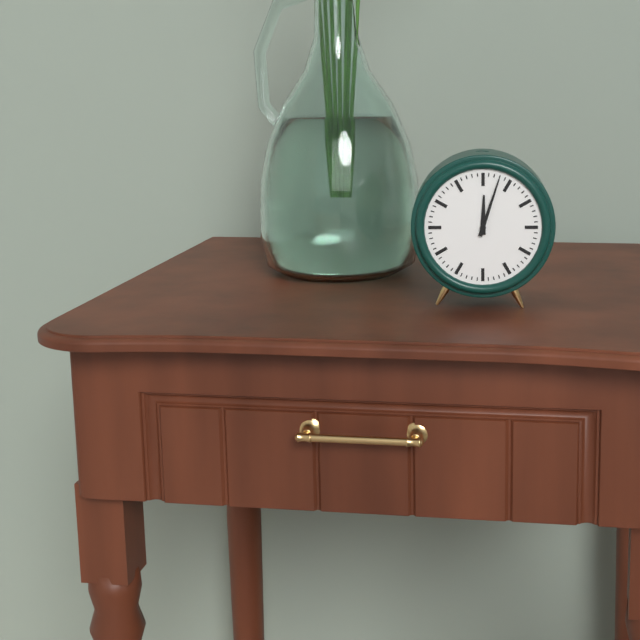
12:03
